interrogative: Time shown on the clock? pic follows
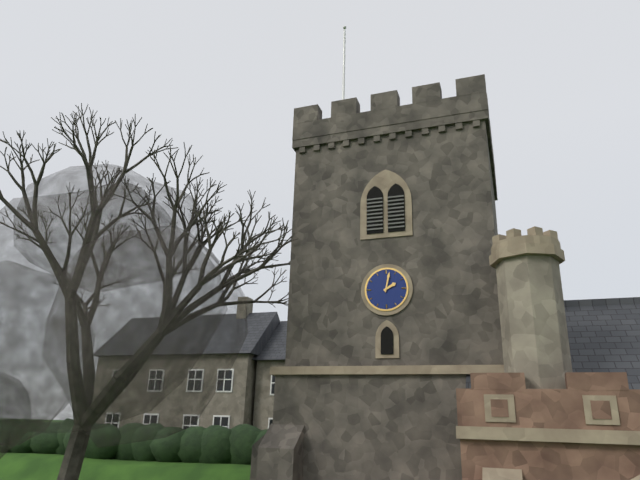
2:02
